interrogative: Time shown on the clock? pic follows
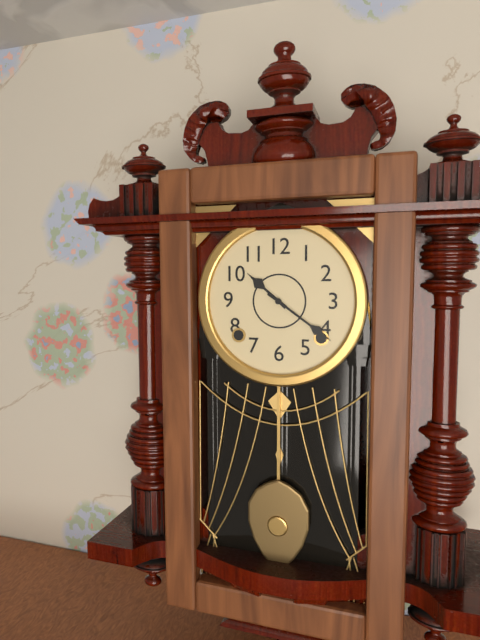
10:21
